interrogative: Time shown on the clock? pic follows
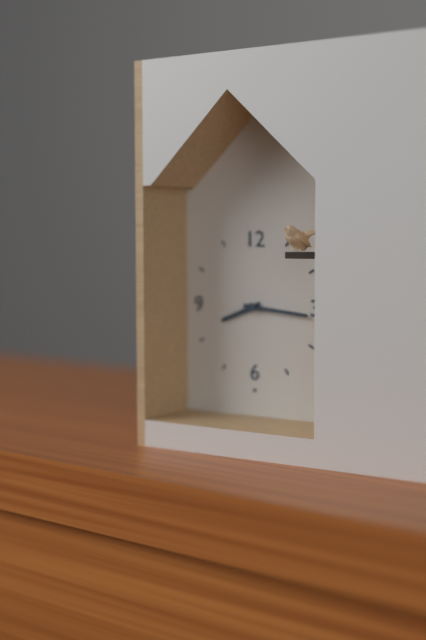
8:16
